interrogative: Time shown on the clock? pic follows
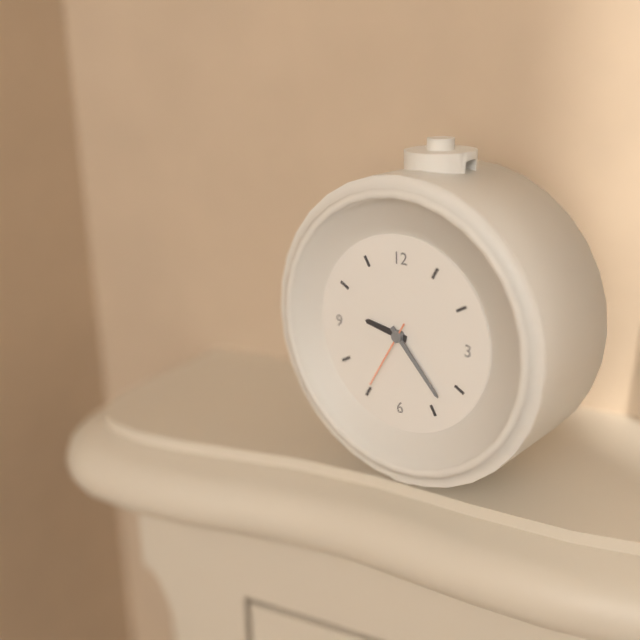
9:23:35
